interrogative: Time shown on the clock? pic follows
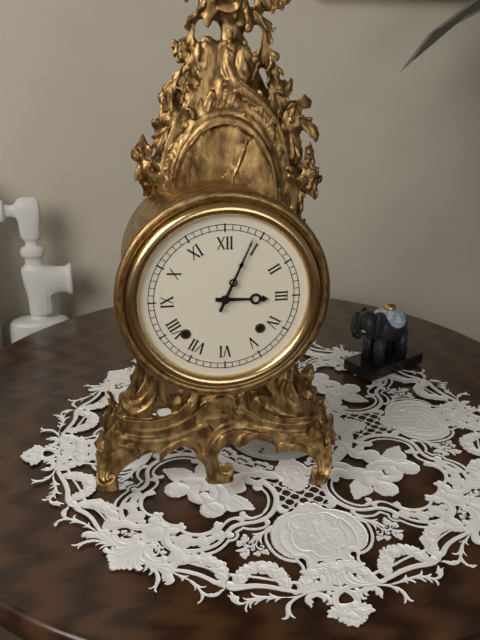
3:04
